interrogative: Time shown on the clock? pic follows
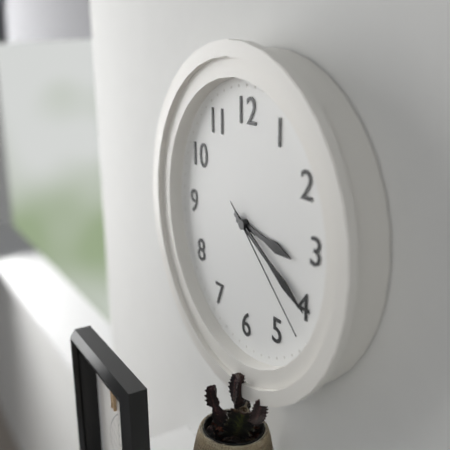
3:20:22
